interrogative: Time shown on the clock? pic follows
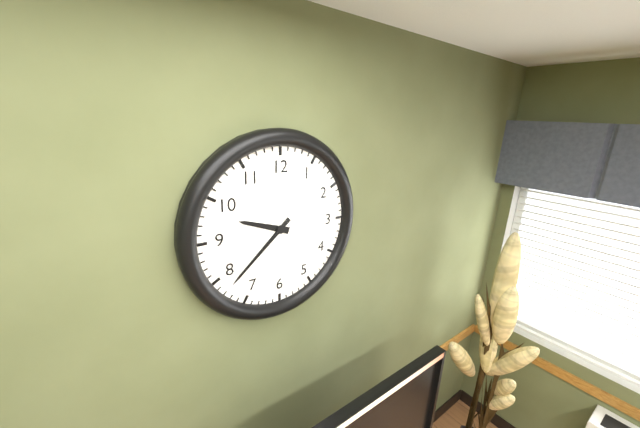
9:38
